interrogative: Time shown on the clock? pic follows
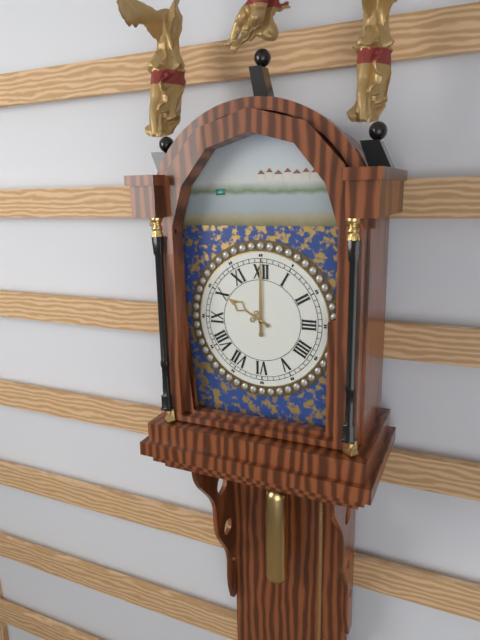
10:00
